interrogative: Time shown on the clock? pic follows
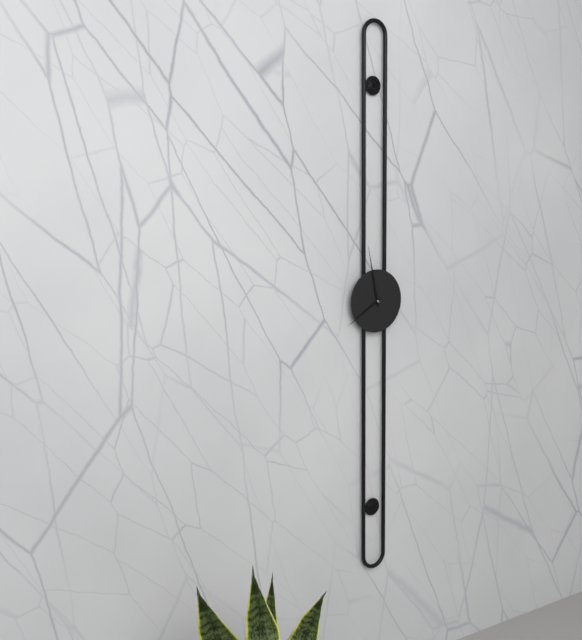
7:58
